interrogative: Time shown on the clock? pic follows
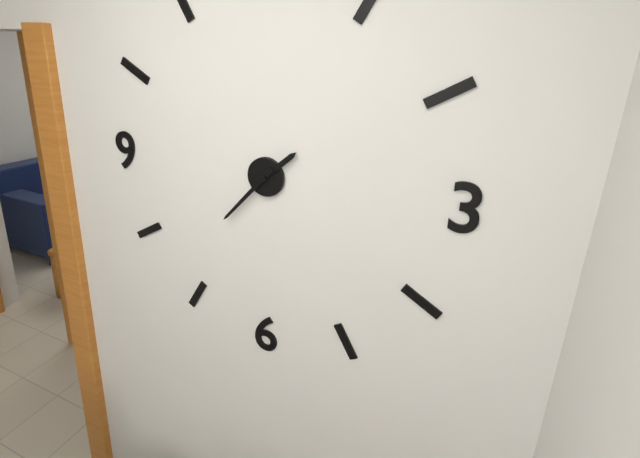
1:37
